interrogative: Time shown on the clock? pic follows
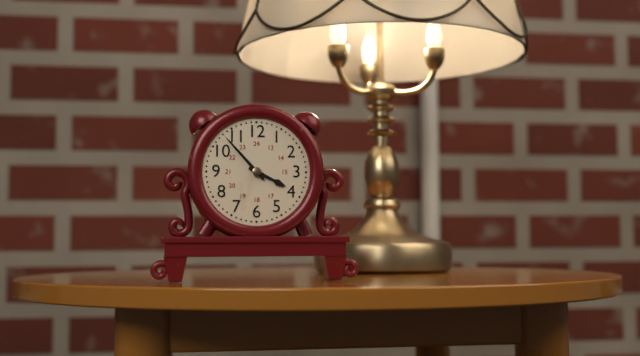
3:53
